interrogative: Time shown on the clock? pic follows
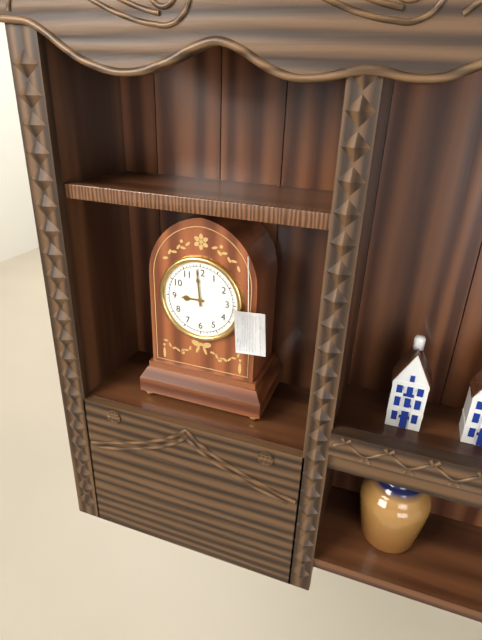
8:59
